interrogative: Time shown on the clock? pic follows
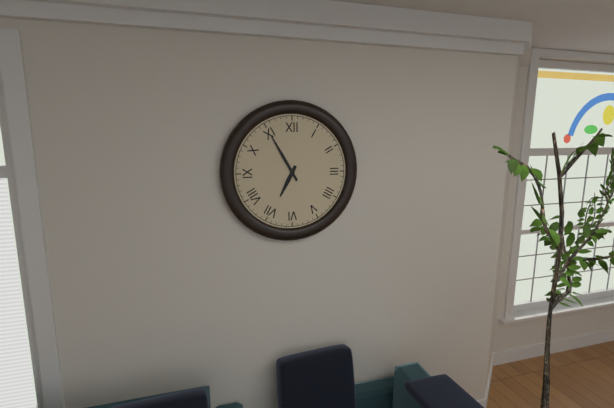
6:55
